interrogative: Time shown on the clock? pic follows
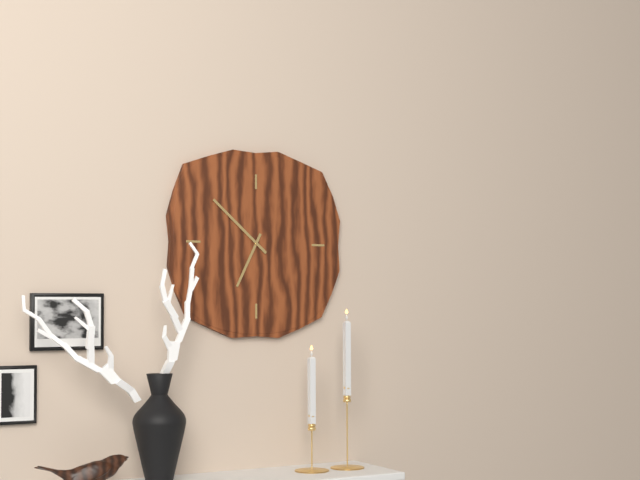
6:52
